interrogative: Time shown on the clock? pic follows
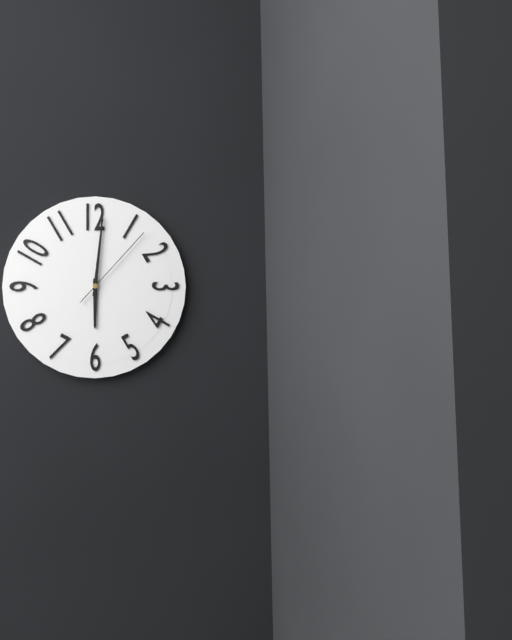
6:01:07
